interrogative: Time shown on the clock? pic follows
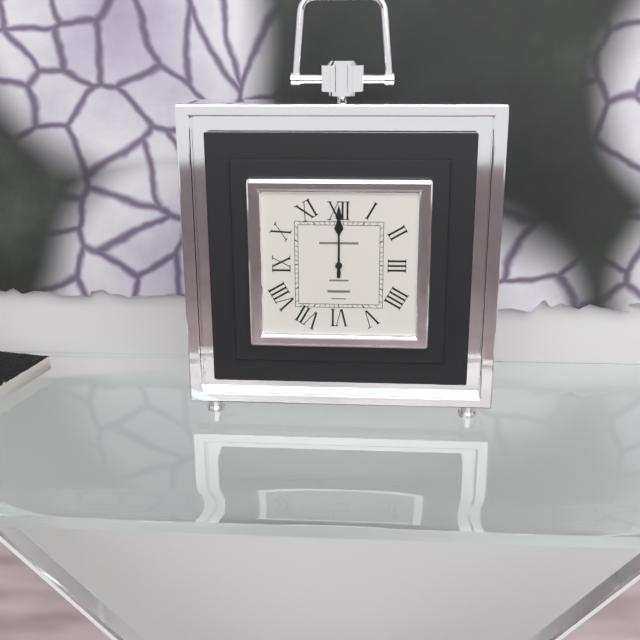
12:00
